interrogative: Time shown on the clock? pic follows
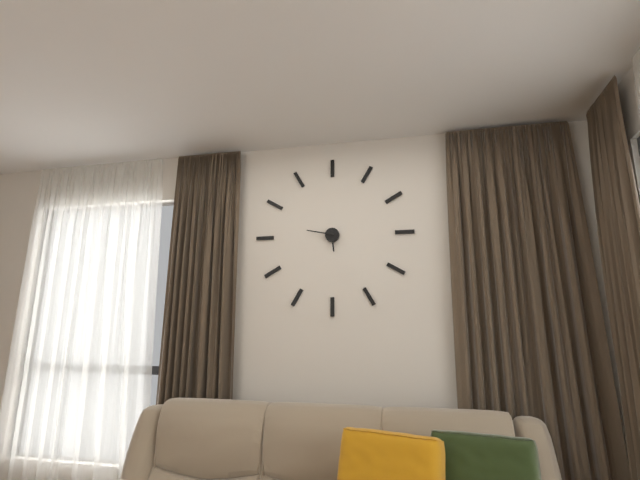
5:47
